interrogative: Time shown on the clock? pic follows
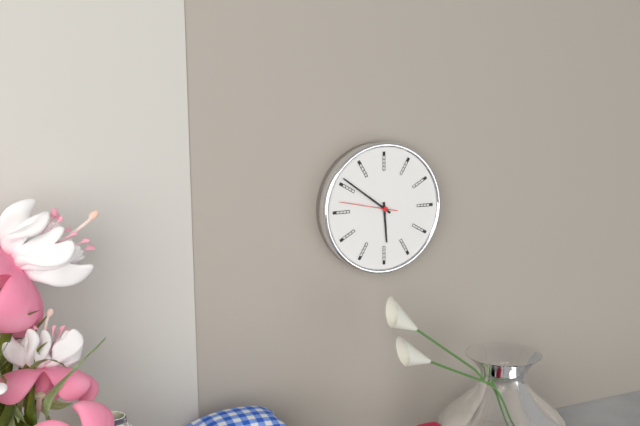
5:51:47
